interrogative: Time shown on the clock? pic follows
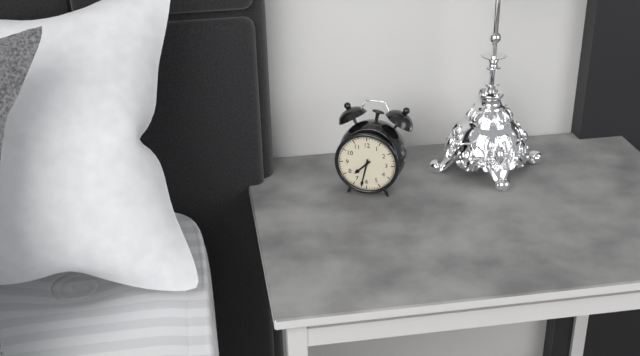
7:32
